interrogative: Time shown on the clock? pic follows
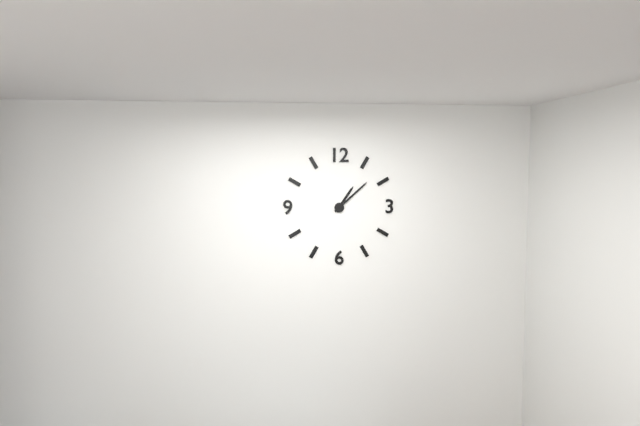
1:08
